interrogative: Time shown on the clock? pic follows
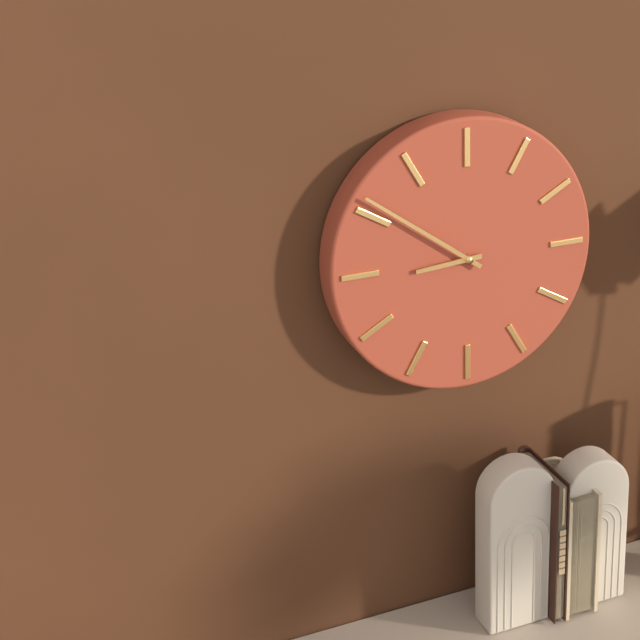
8:51
